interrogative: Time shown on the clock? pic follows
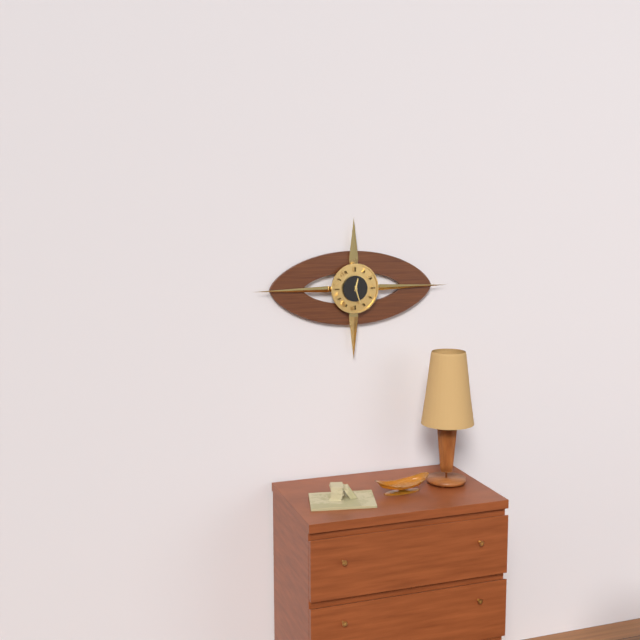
12:27
